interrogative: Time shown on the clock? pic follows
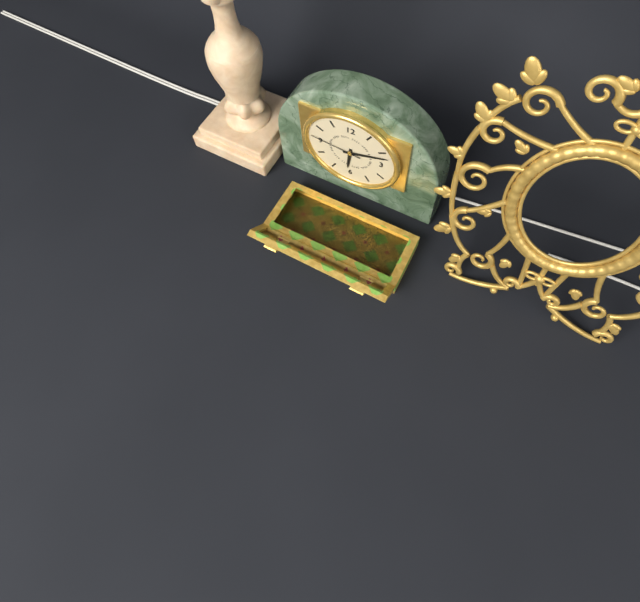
6:12:46
